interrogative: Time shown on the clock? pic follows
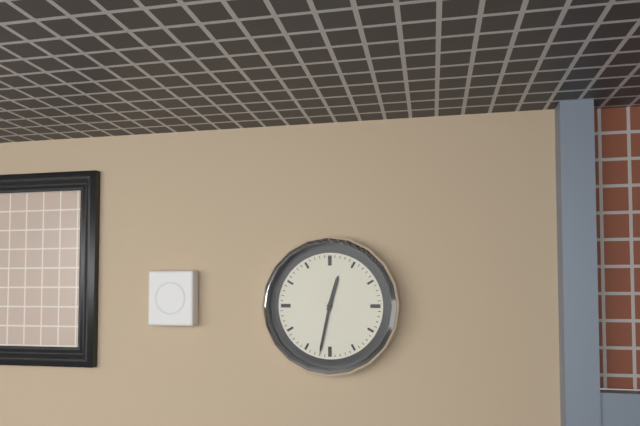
12:32
